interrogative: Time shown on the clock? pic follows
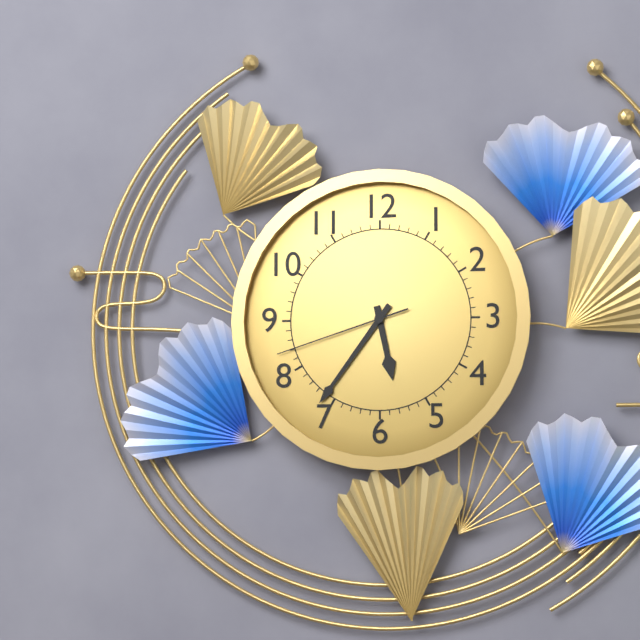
5:36:42
